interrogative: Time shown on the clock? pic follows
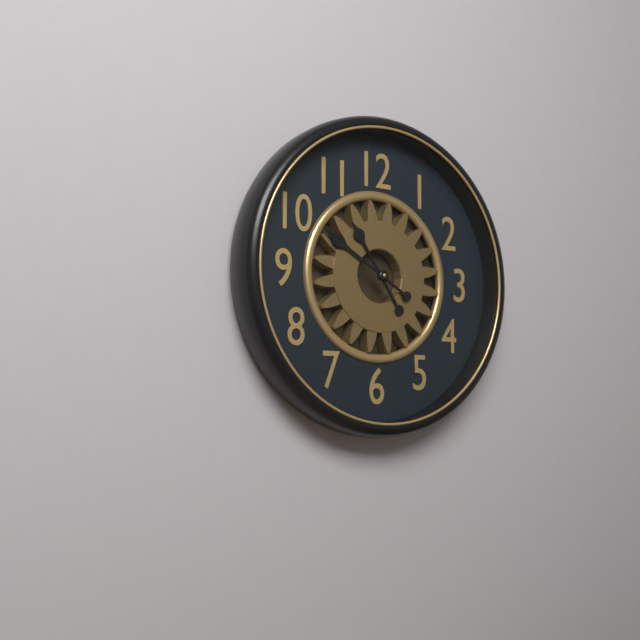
10:50
